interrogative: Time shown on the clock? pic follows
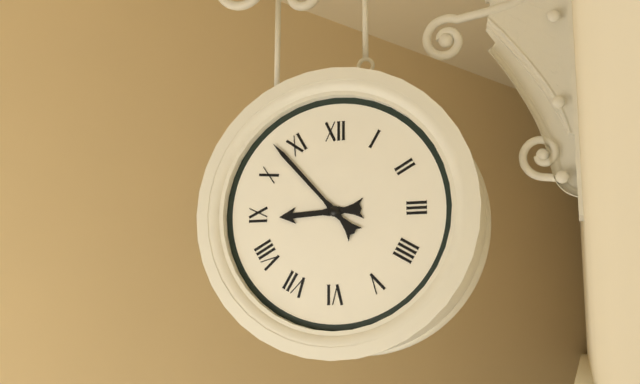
8:53
